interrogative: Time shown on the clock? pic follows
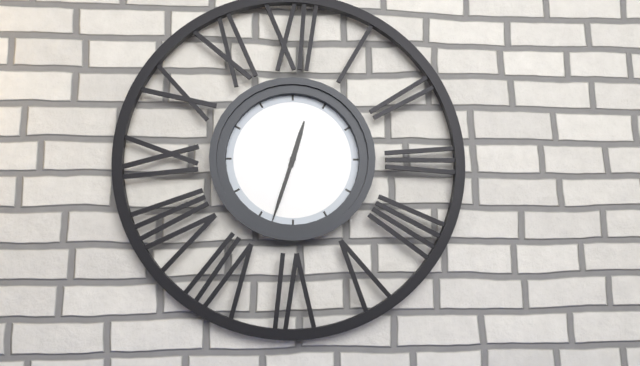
12:33
